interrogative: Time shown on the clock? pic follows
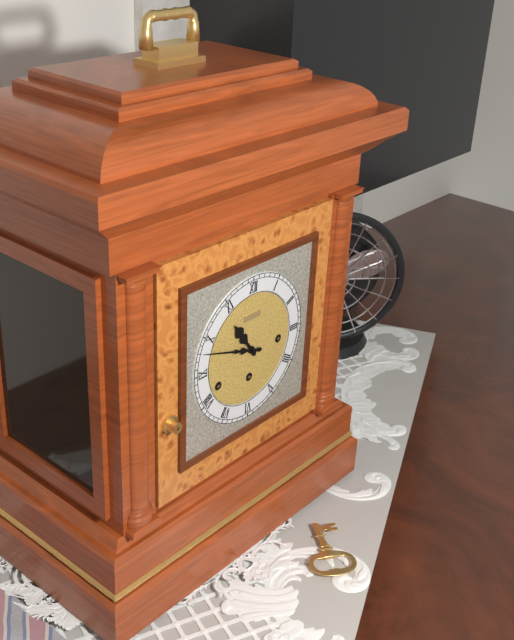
10:48
